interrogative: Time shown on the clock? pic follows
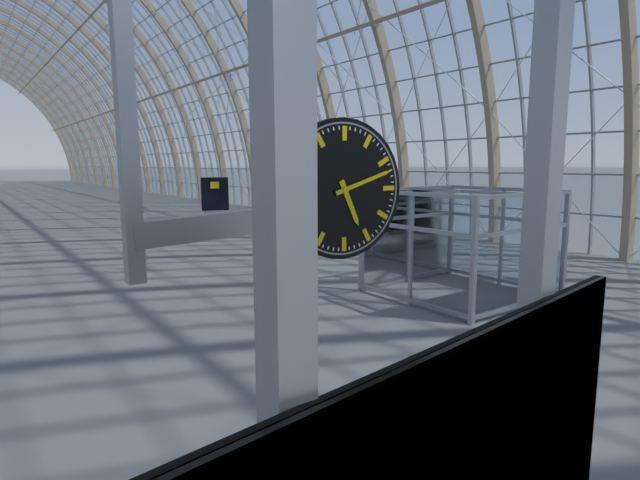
5:12
